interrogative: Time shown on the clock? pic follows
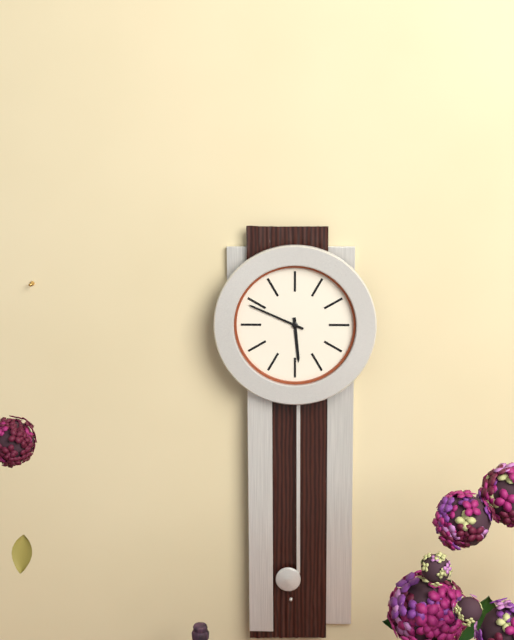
5:49
